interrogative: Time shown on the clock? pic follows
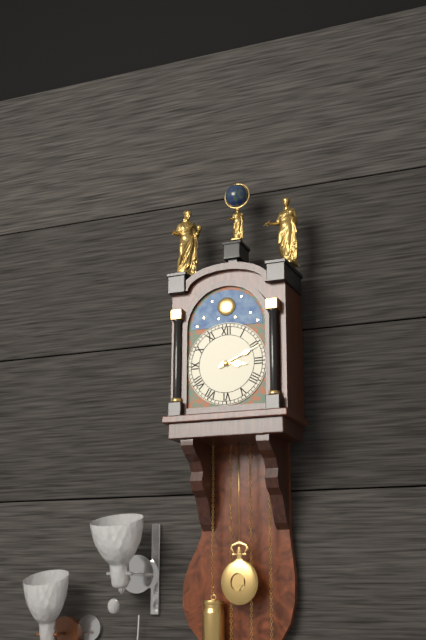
3:11
